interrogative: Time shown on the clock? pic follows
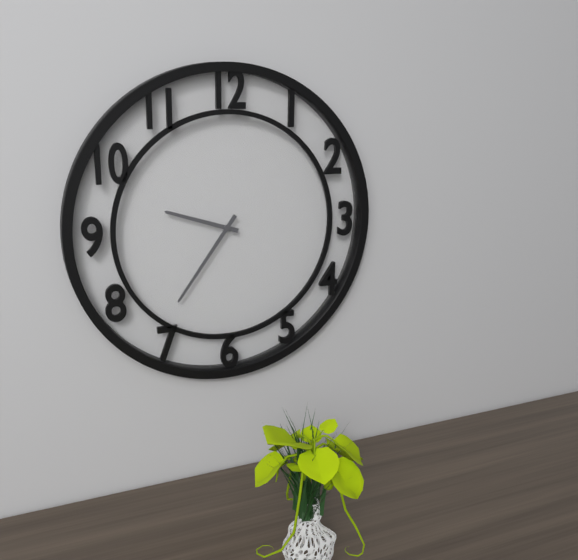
9:36
